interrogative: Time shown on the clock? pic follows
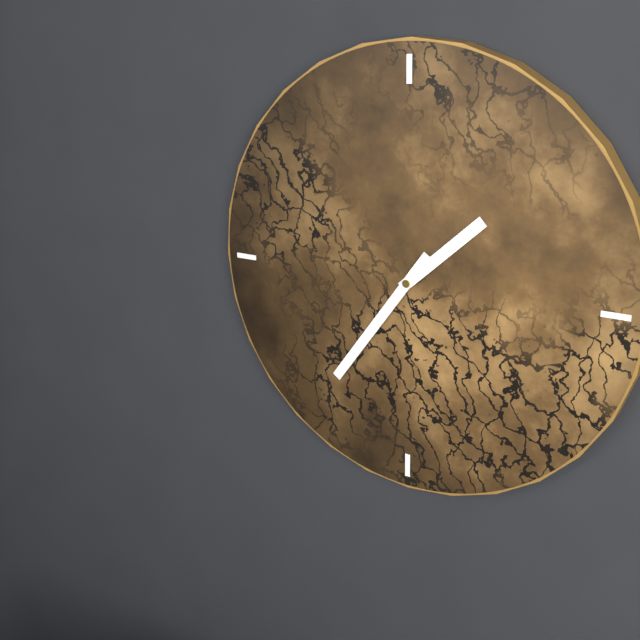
1:36
